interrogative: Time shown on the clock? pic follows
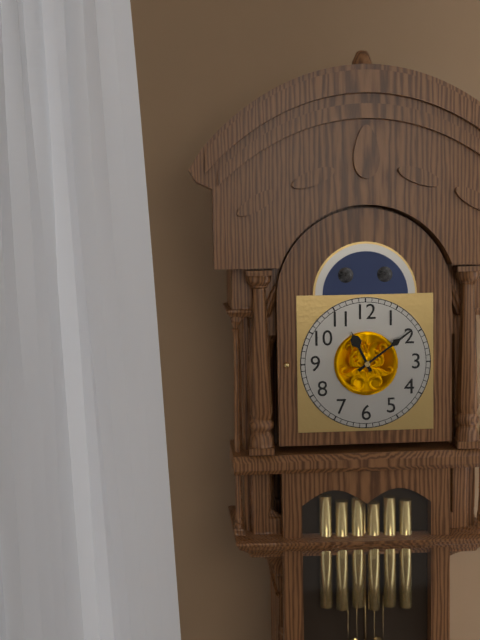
11:09
